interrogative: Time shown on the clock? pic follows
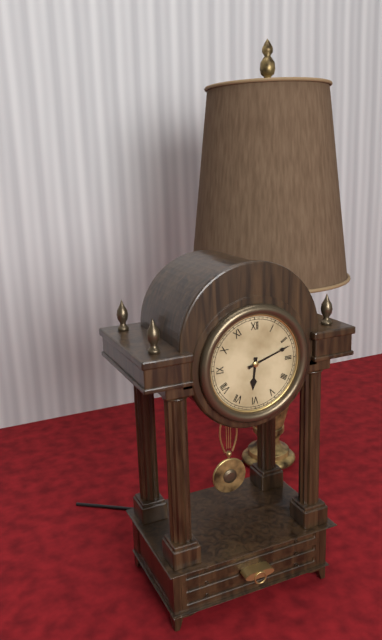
6:12
